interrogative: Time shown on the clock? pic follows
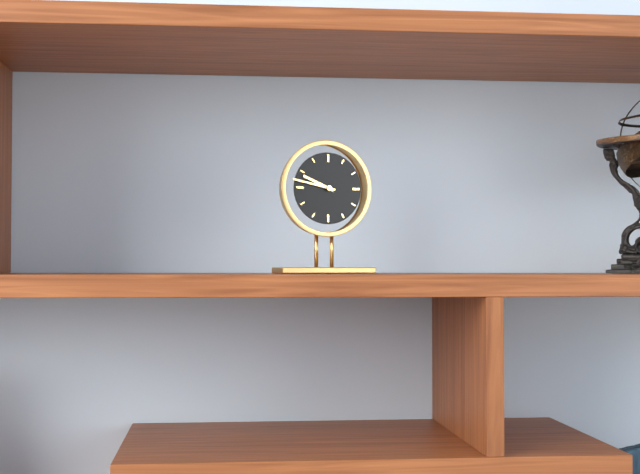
9:47
